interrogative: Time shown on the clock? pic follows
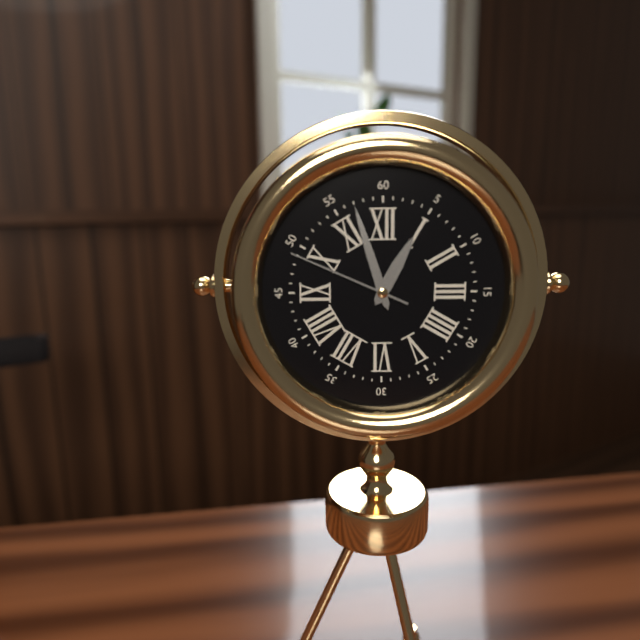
12:57:49
